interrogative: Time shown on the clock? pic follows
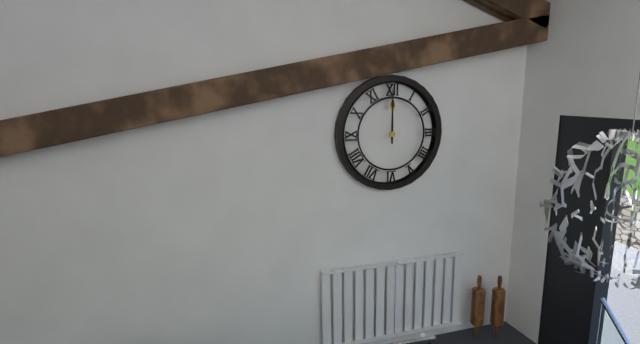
12:00
